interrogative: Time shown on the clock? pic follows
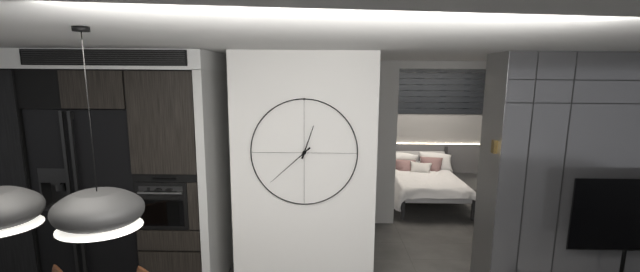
12:38
